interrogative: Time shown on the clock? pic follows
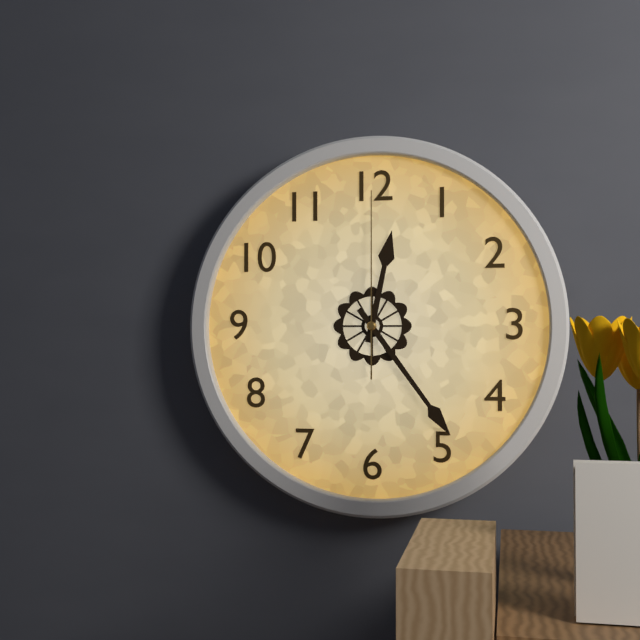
12:24:00
